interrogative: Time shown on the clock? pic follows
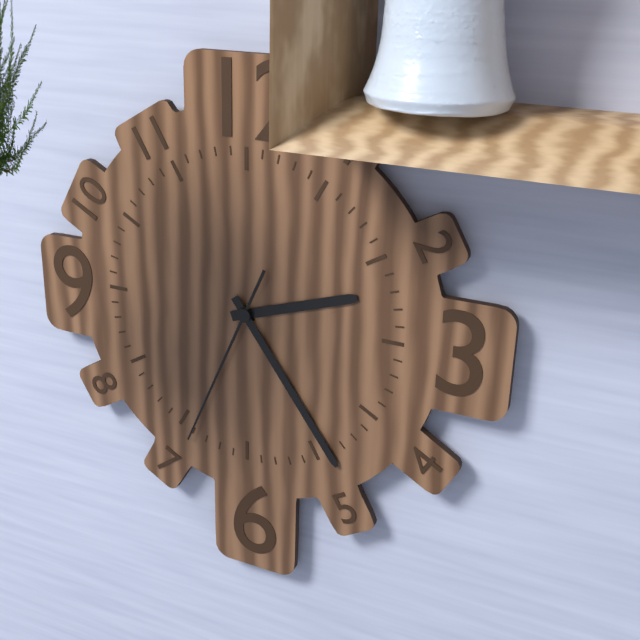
2:24:34
